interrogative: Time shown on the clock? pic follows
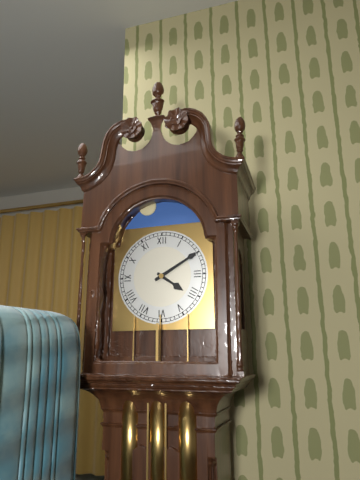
4:10
